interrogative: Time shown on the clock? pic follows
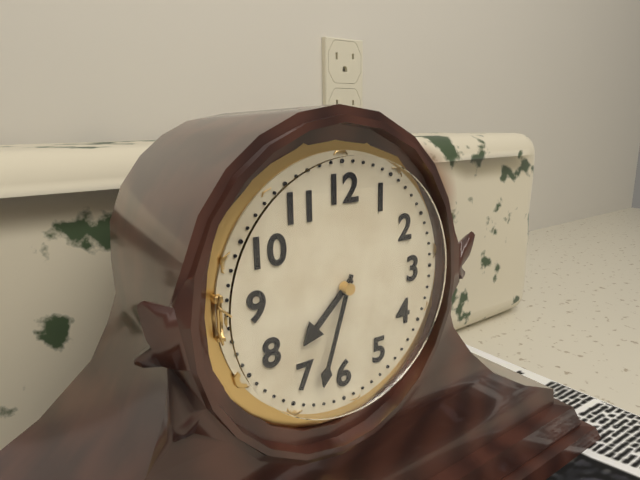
7:33
